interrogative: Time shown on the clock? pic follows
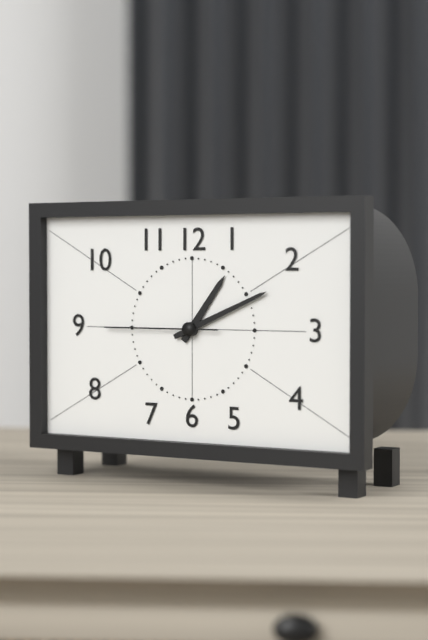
1:11:45
